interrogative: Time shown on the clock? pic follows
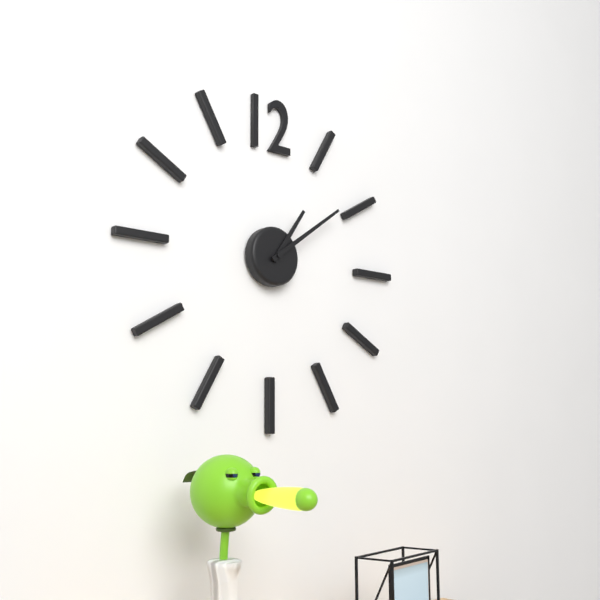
1:09
